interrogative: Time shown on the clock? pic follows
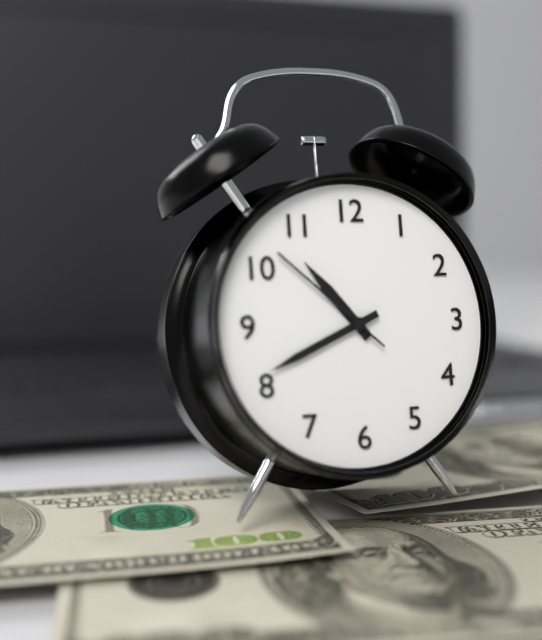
10:41:52
